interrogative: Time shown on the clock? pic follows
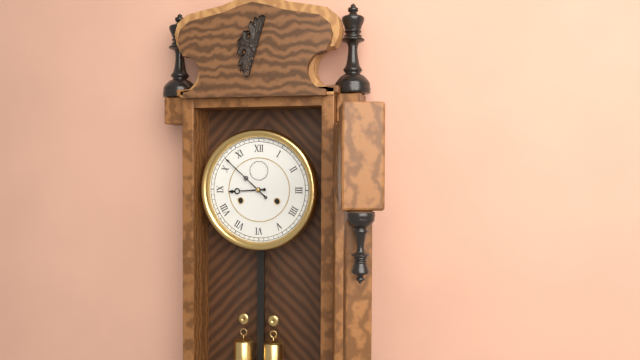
8:52
